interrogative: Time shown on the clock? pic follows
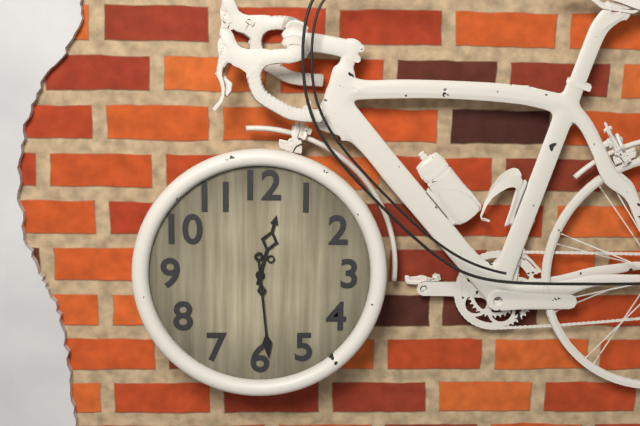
12:29
